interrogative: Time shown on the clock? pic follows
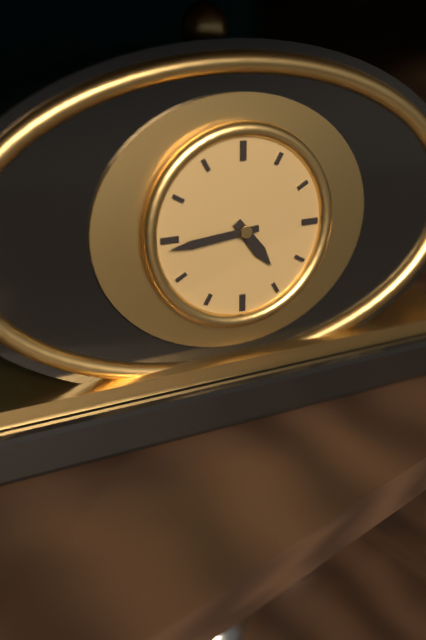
4:44
